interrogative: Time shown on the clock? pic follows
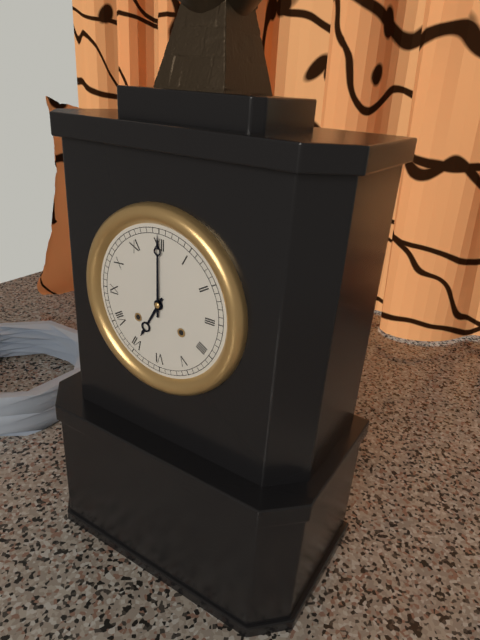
7:00
